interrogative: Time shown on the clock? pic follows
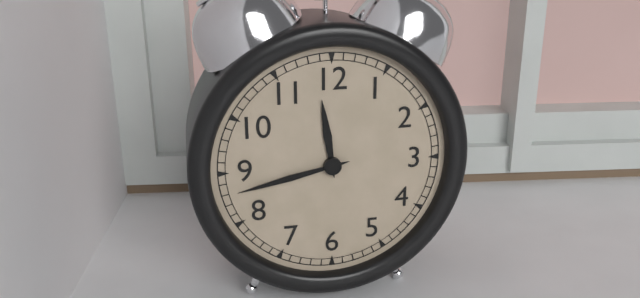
11:43
